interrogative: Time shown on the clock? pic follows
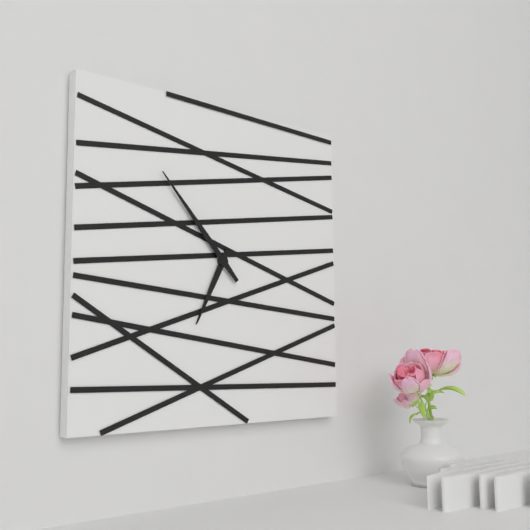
6:53
